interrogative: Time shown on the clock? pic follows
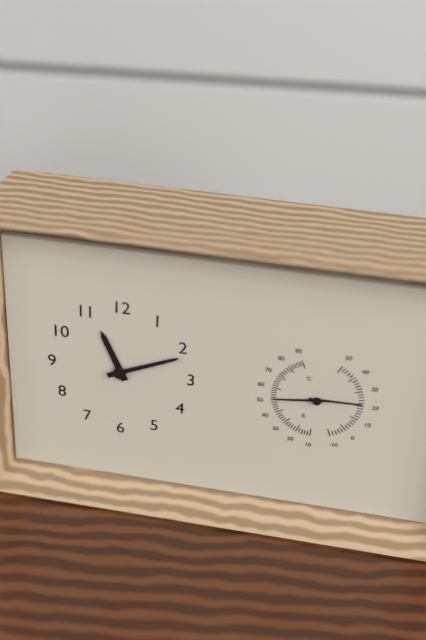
11:11
